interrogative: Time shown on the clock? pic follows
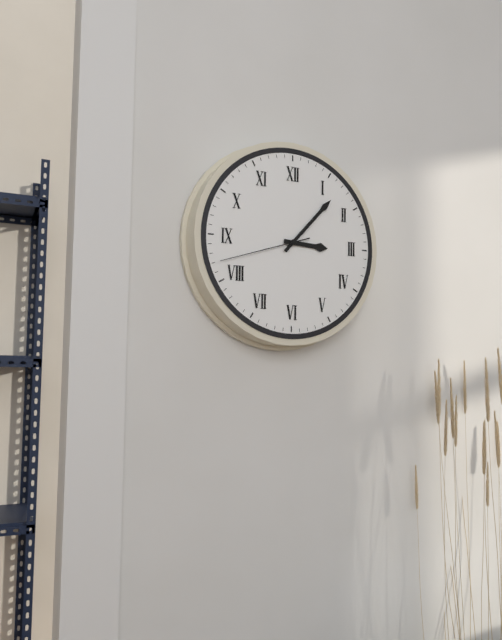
3:07:42
